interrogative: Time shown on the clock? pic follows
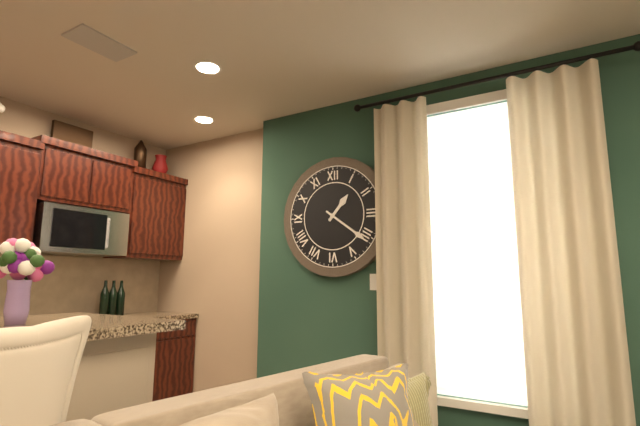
1:21
